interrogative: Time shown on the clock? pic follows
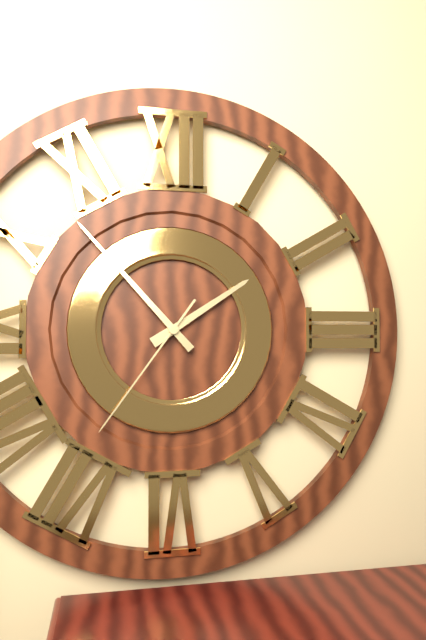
1:53:36
